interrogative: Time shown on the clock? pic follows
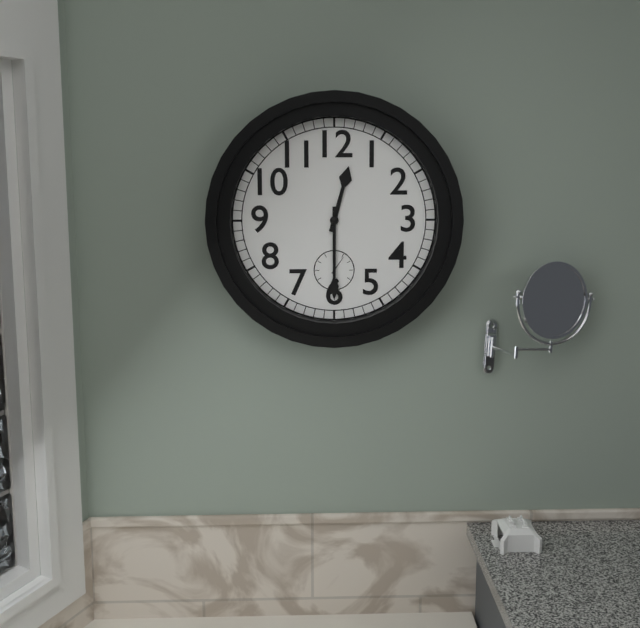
12:30
